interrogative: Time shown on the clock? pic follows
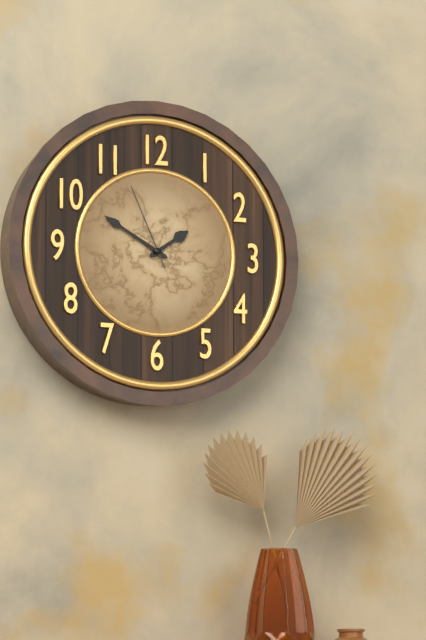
1:50:56
